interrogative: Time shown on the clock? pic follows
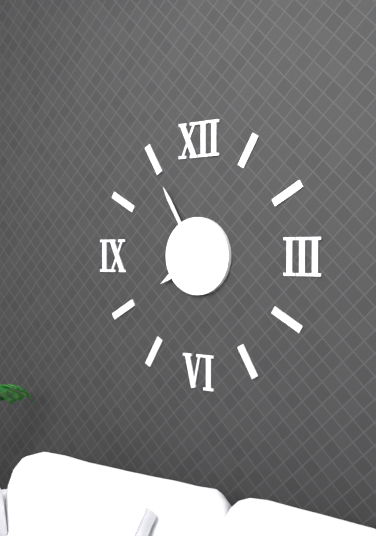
7:55
